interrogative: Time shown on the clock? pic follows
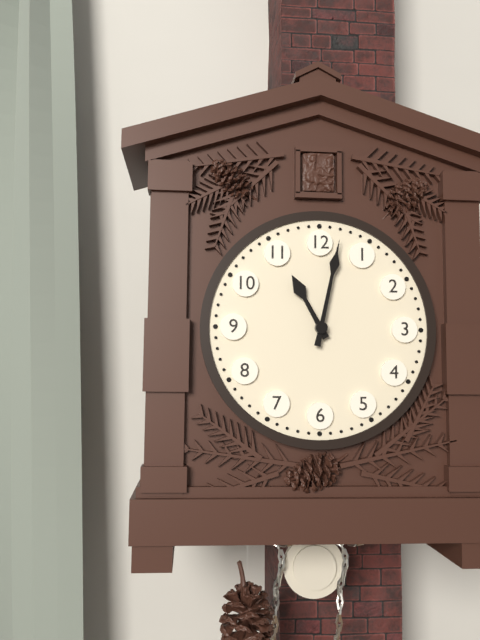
11:02
